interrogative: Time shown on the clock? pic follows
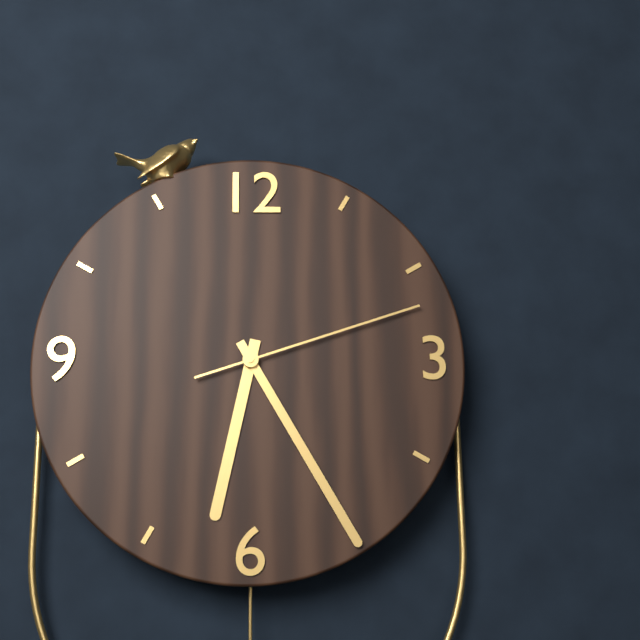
6:25:12
